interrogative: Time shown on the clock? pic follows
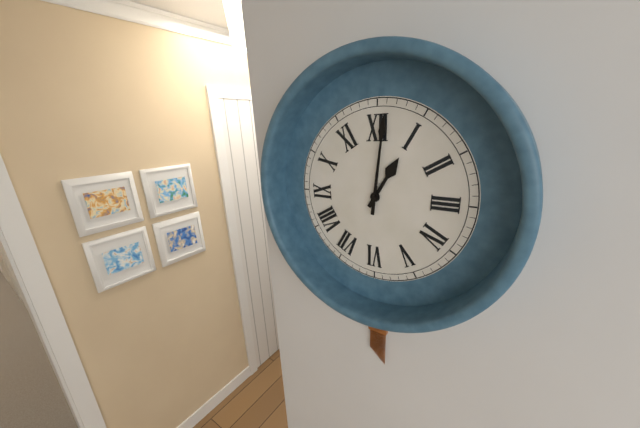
1:01
